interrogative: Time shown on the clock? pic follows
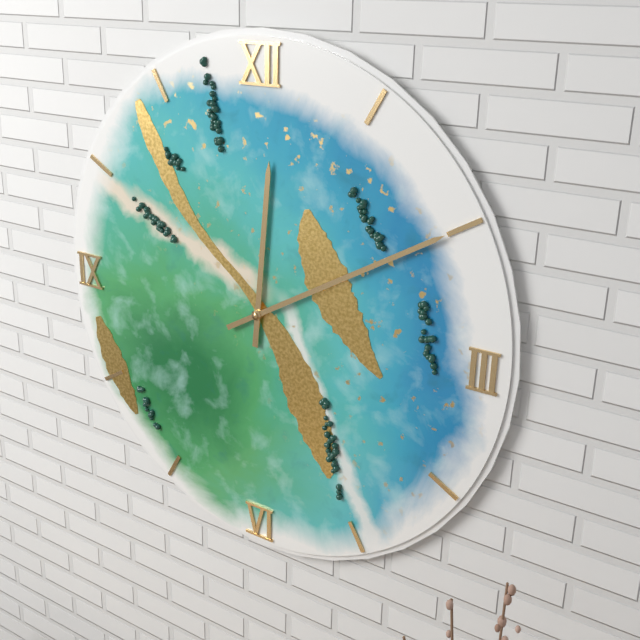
12:10
